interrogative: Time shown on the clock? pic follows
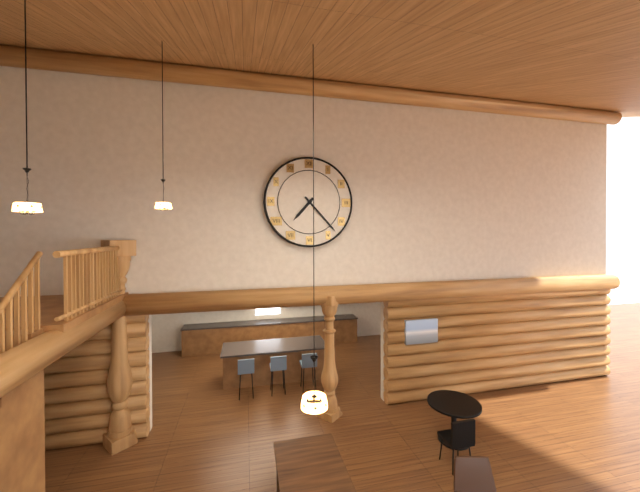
7:23
